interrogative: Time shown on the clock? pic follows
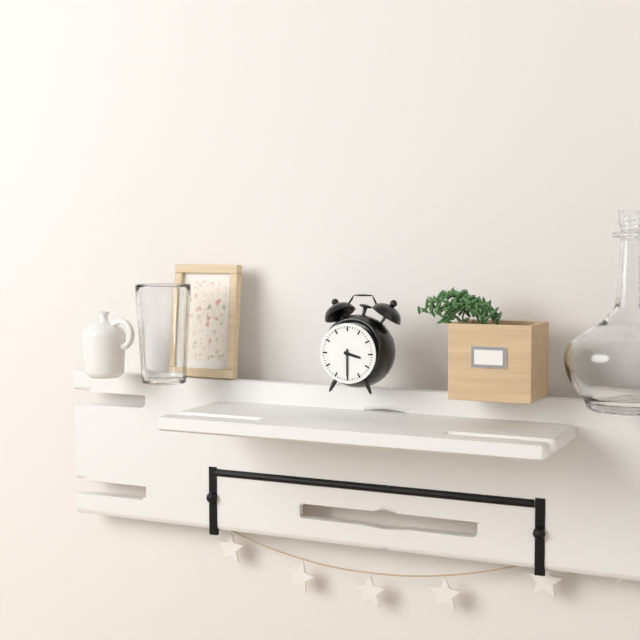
3:30
